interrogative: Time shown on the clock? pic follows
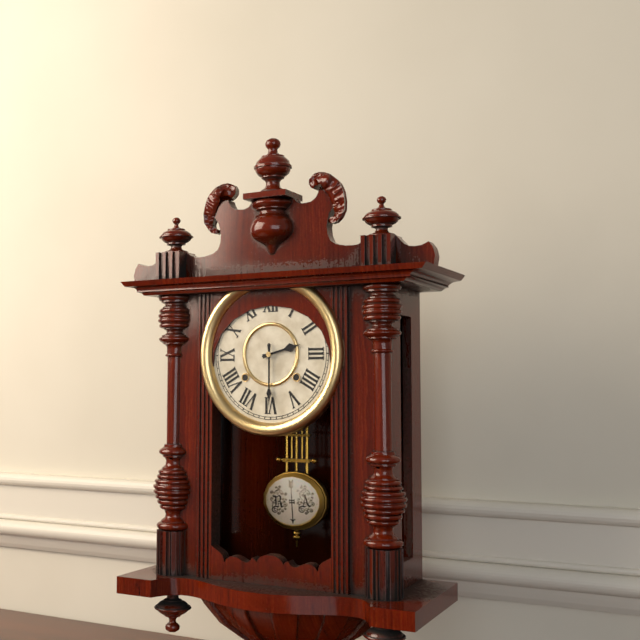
2:30
